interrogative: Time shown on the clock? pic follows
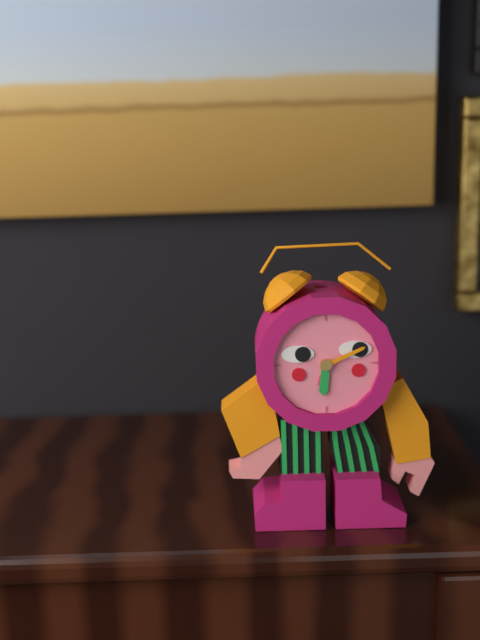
6:11
